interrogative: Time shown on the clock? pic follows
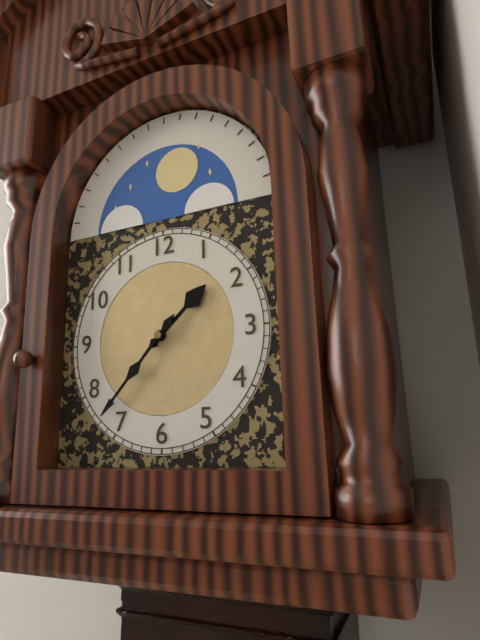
1:37
